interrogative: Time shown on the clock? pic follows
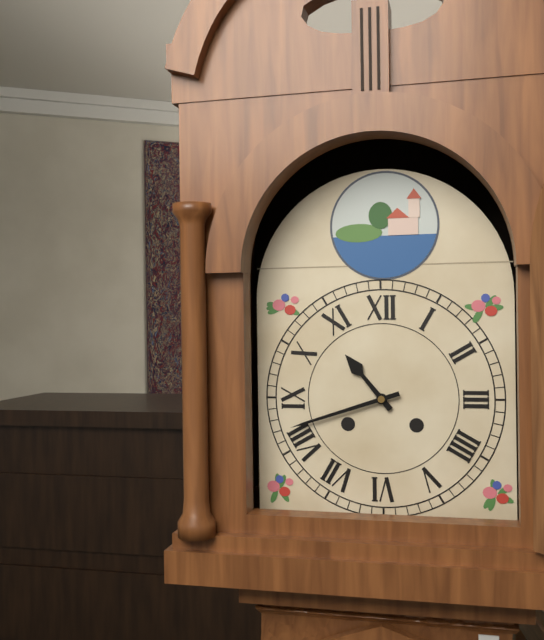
10:42
